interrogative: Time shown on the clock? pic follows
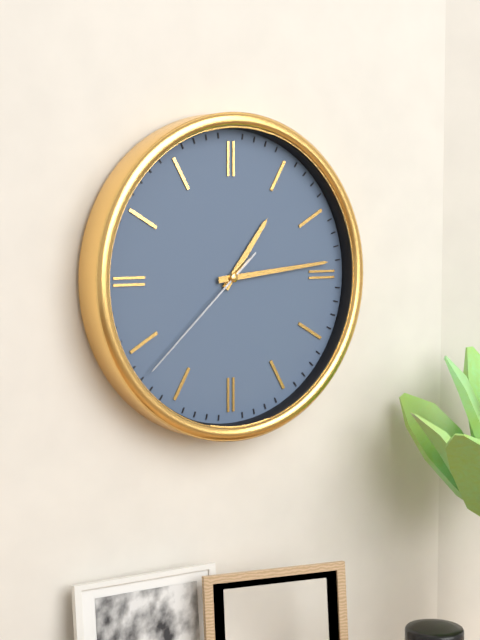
1:14:38
